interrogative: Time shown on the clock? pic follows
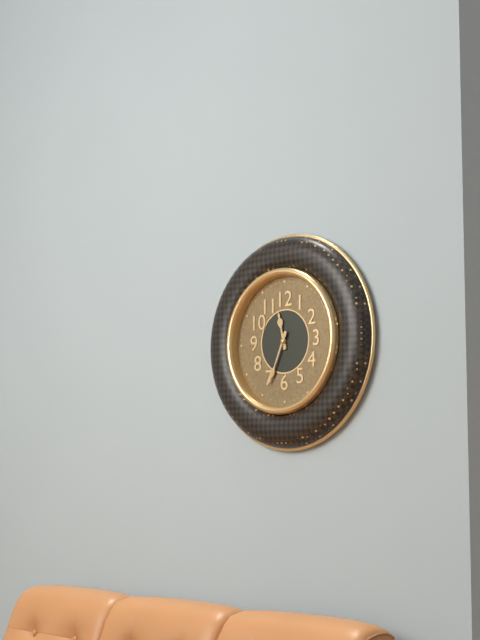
11:34
